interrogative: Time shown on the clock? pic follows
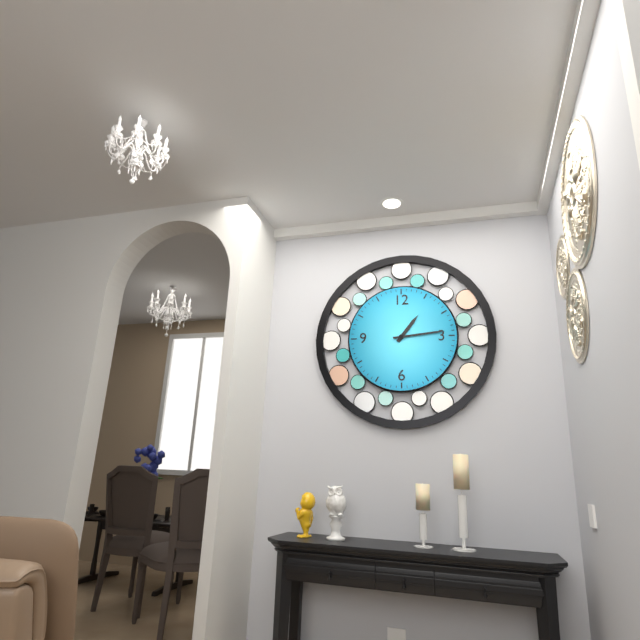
1:14
